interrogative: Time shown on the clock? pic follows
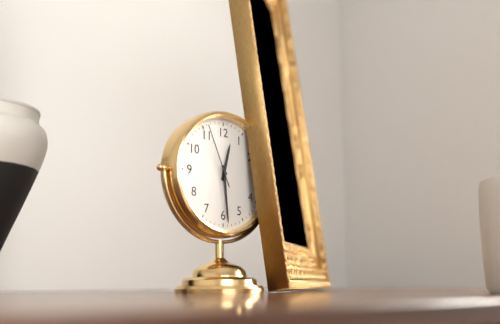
12:29:56
